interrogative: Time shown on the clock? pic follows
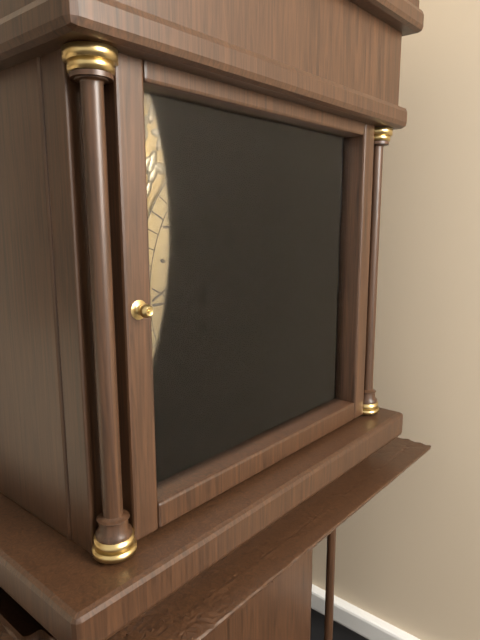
9:26
